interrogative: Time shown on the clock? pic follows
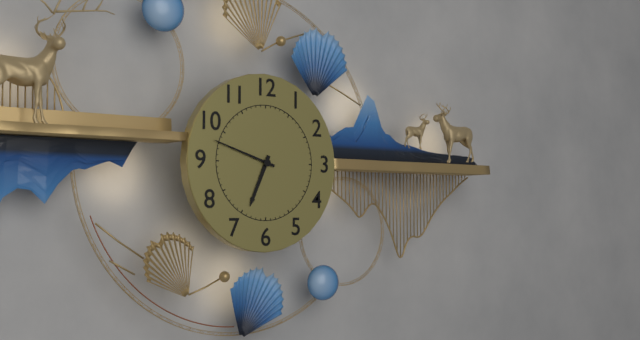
6:48
